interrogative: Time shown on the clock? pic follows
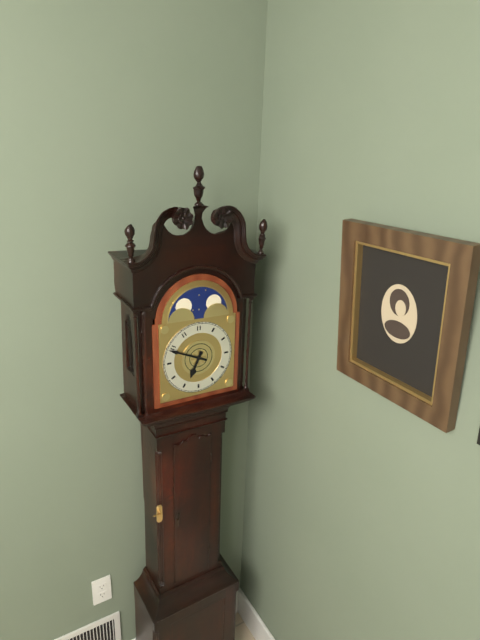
6:49
